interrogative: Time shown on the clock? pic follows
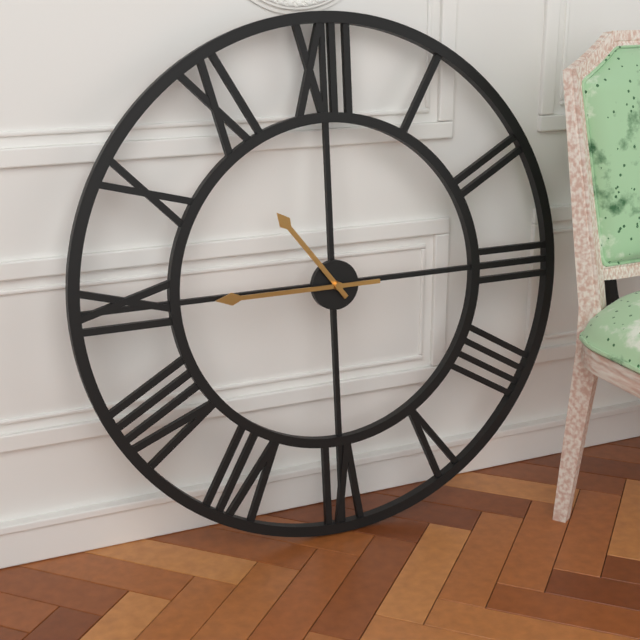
10:45
